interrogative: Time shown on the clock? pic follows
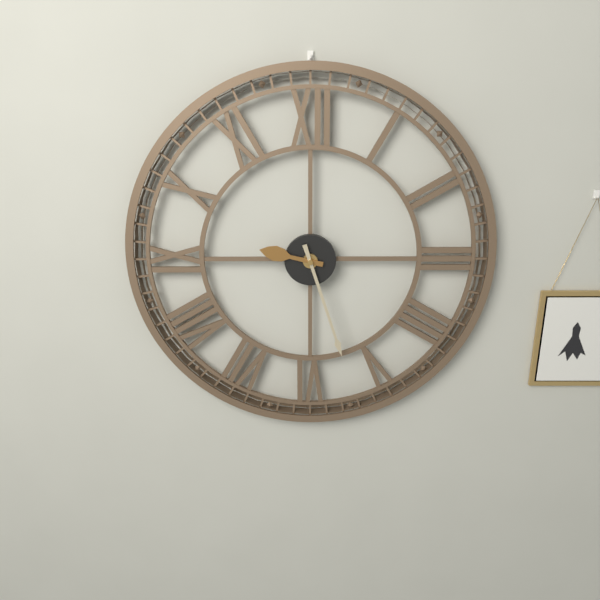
9:27
